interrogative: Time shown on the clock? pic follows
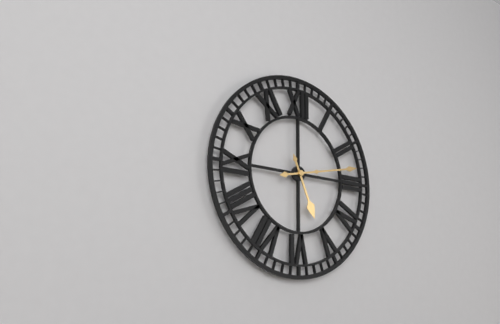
5:13
